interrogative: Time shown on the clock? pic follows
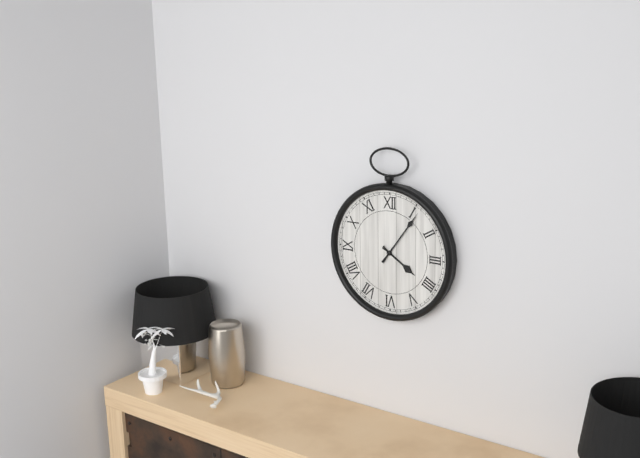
4:06
